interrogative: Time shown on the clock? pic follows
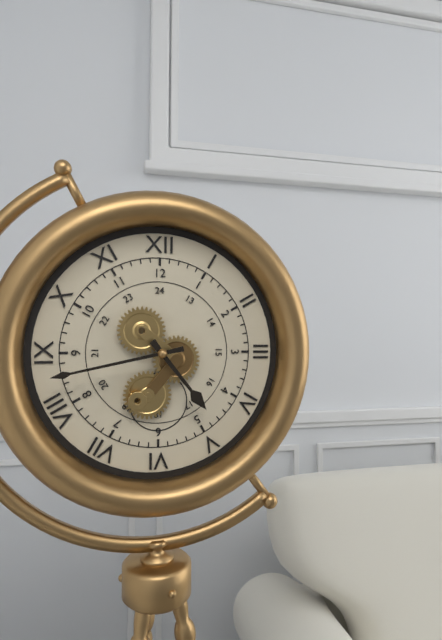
4:43
